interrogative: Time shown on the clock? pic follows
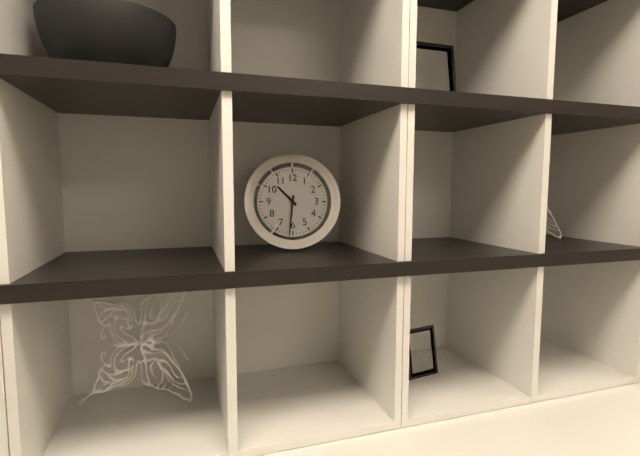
10:31
